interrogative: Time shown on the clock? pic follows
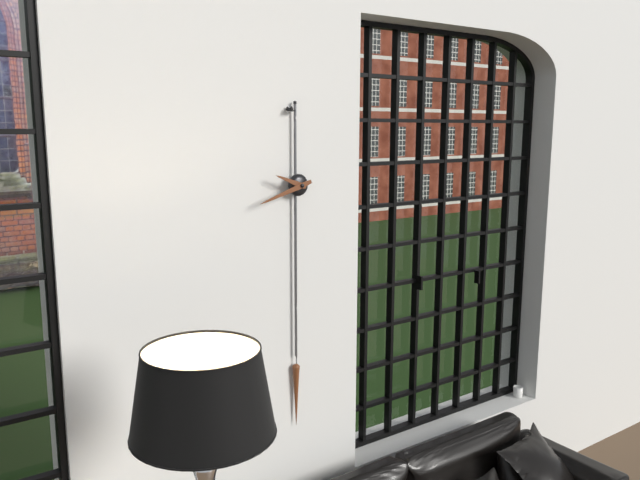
9:42
